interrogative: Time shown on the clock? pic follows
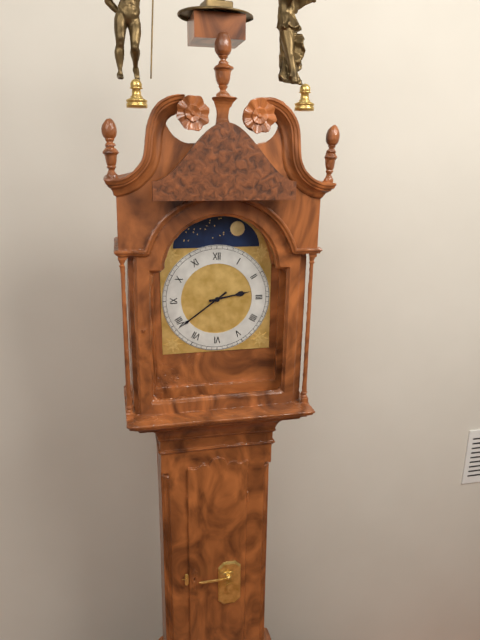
2:39
